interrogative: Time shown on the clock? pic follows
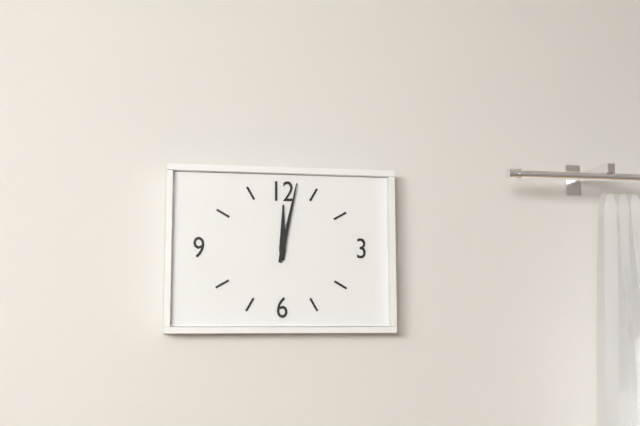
12:02
